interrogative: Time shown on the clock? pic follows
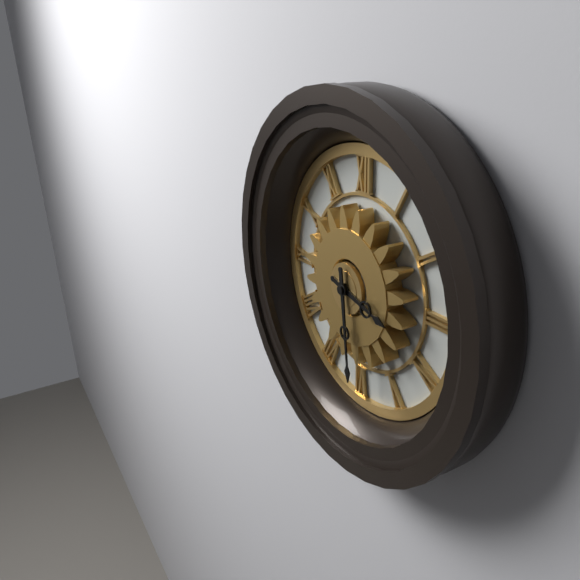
3:29
